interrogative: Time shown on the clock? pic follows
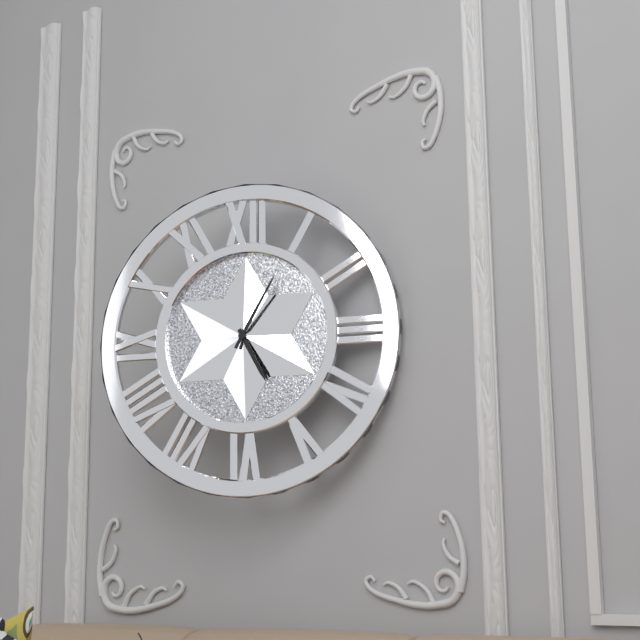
5:05
